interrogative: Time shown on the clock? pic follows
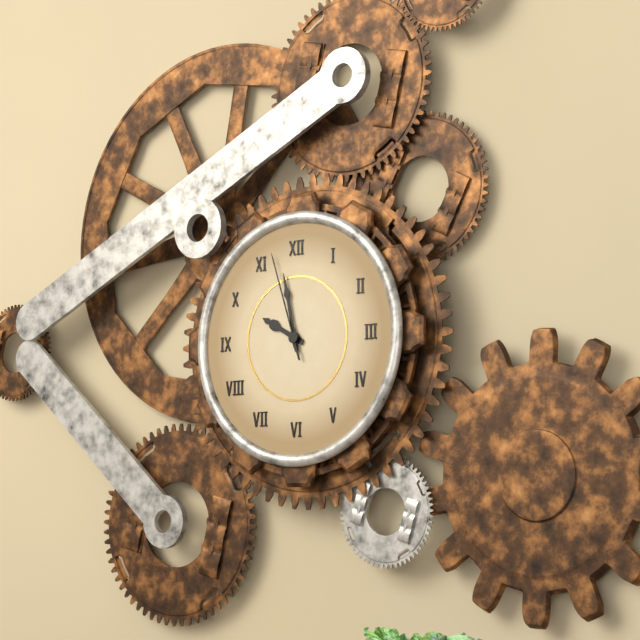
9:58:57
